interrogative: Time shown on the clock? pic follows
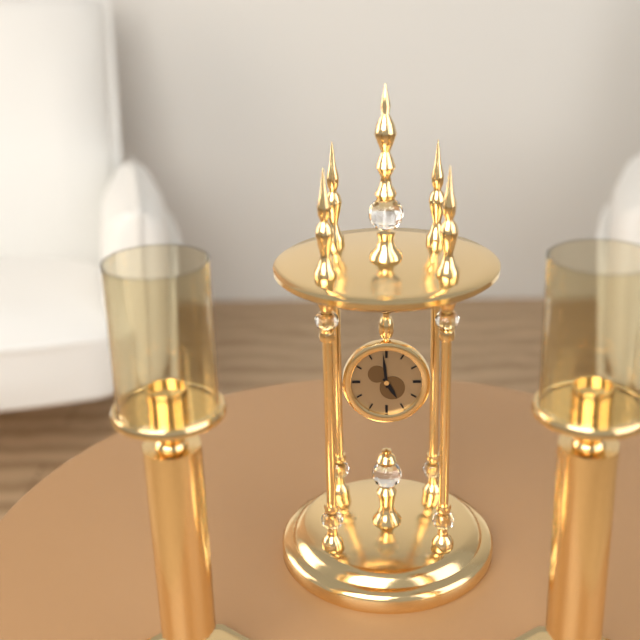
4:59
